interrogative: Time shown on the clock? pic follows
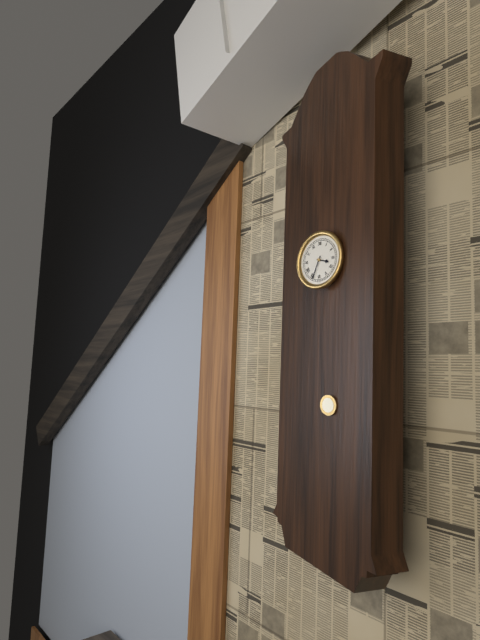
3:34
